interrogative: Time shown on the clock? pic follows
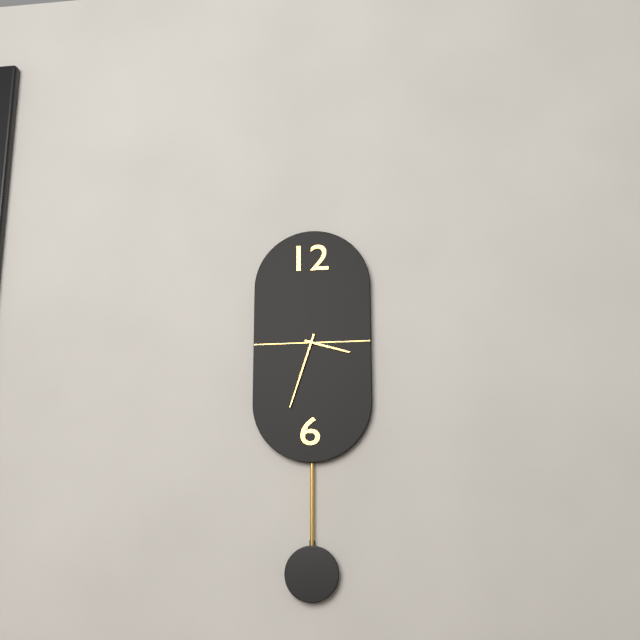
3:33
